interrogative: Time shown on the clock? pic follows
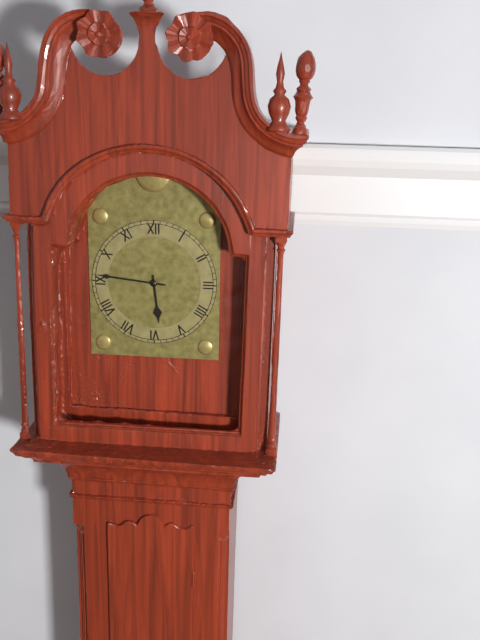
5:46
